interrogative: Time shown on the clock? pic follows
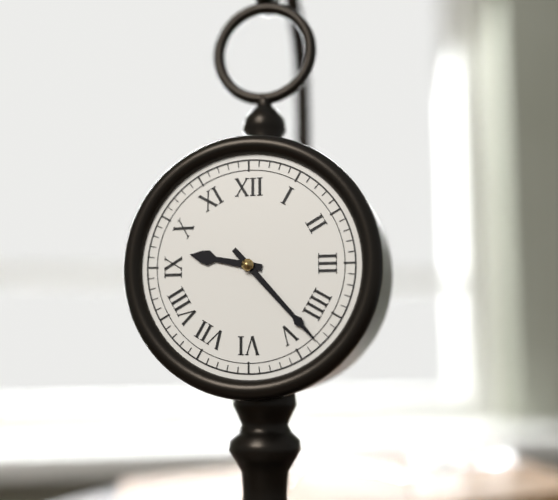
9:23
